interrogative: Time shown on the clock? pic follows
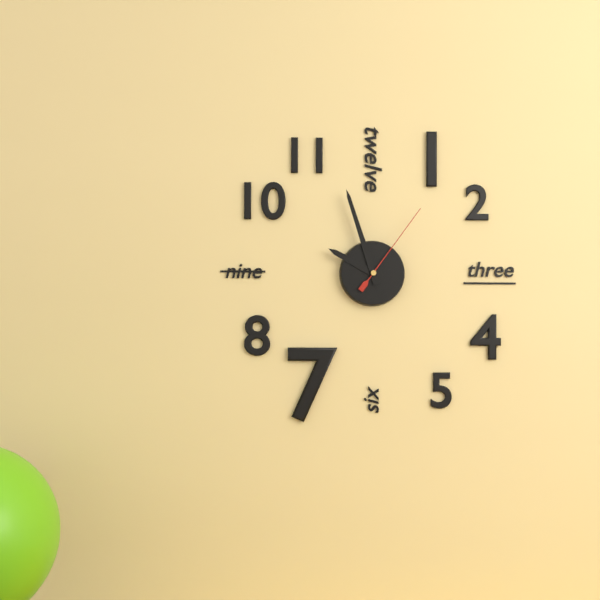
9:57:06
